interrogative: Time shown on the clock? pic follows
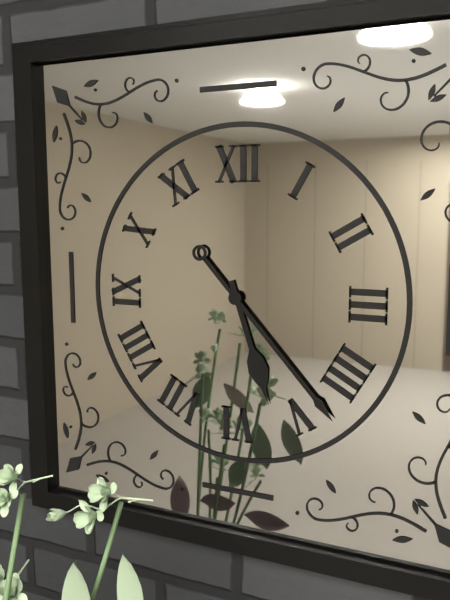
5:23
